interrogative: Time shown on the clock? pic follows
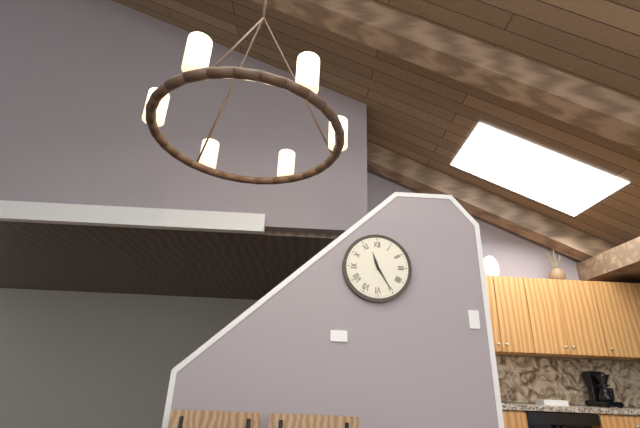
11:25
